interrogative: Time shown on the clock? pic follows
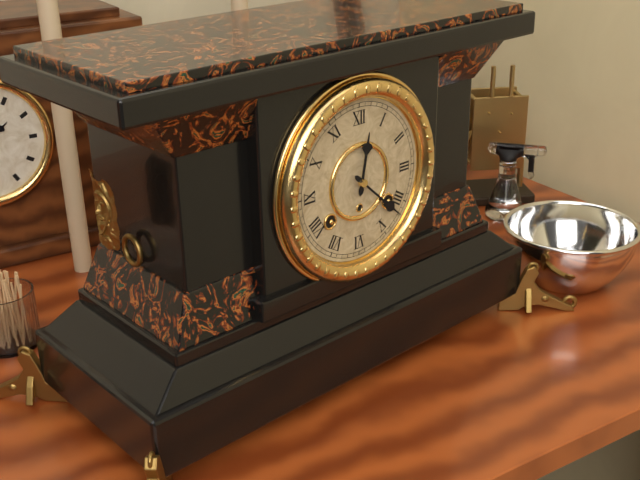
12:22
